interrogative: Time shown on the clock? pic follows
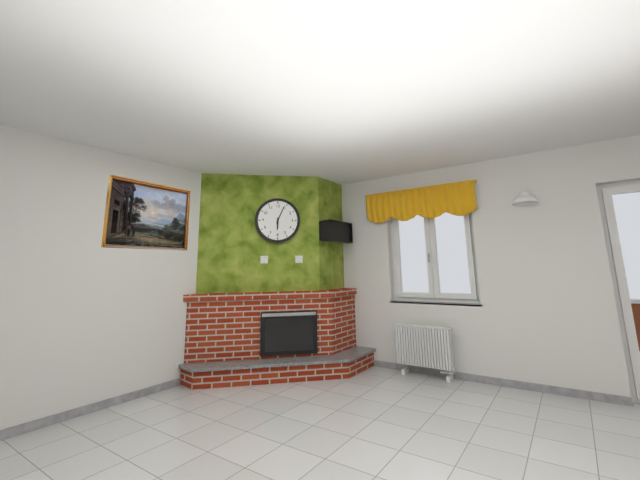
6:04
